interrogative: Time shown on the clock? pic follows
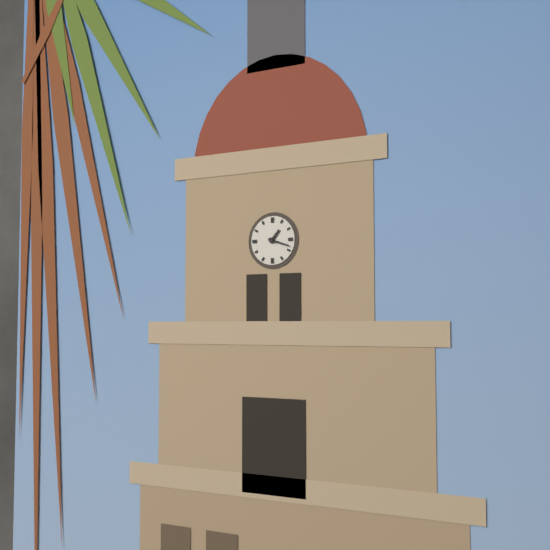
1:18
